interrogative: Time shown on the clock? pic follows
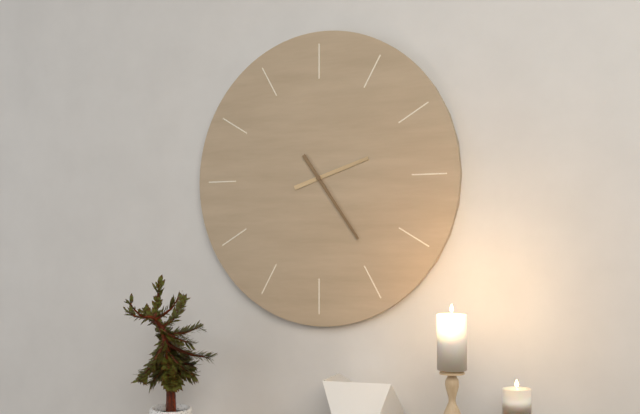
2:24
